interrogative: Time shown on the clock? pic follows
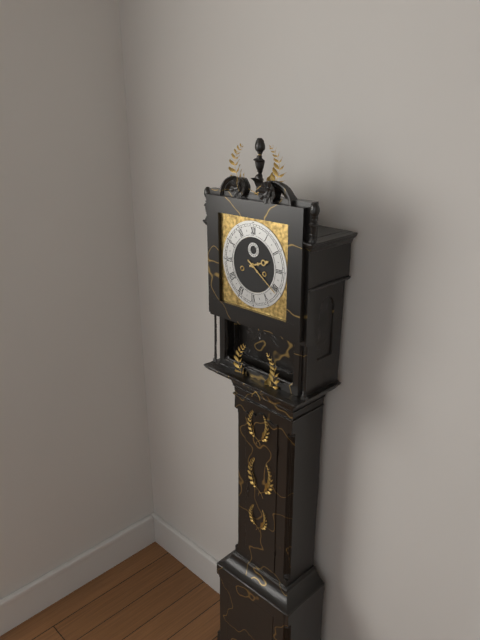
2:21
